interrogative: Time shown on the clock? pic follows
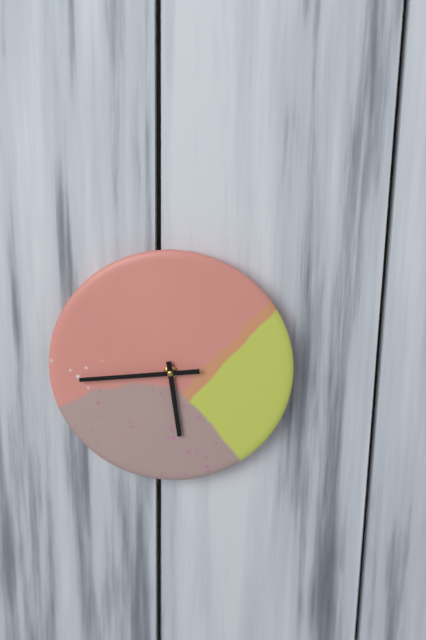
5:44
